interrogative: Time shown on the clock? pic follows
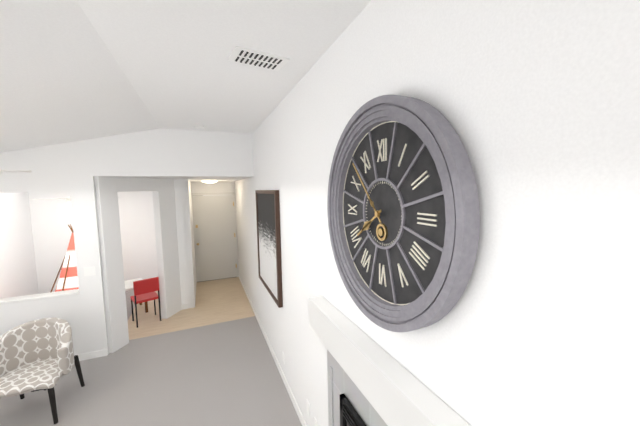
7:53
